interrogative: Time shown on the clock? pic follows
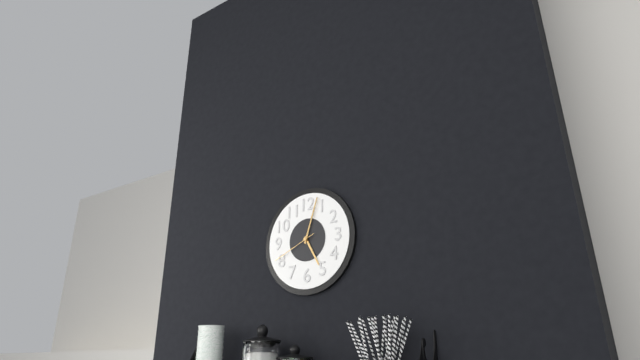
5:03
